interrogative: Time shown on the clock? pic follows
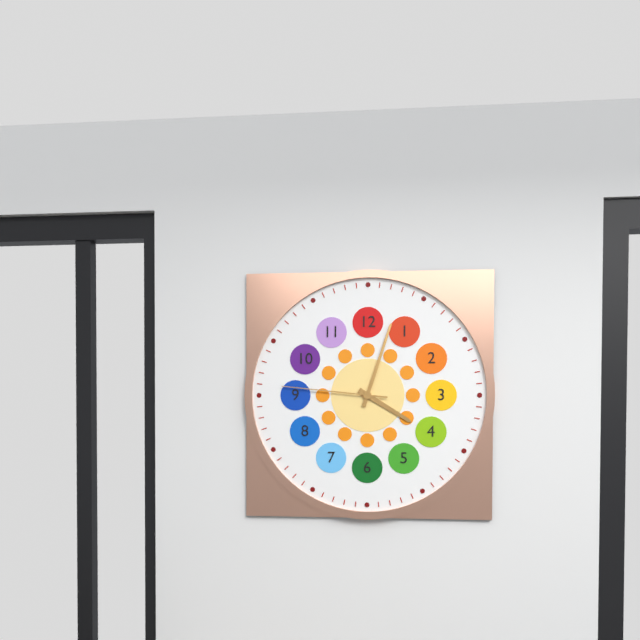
4:03:46
